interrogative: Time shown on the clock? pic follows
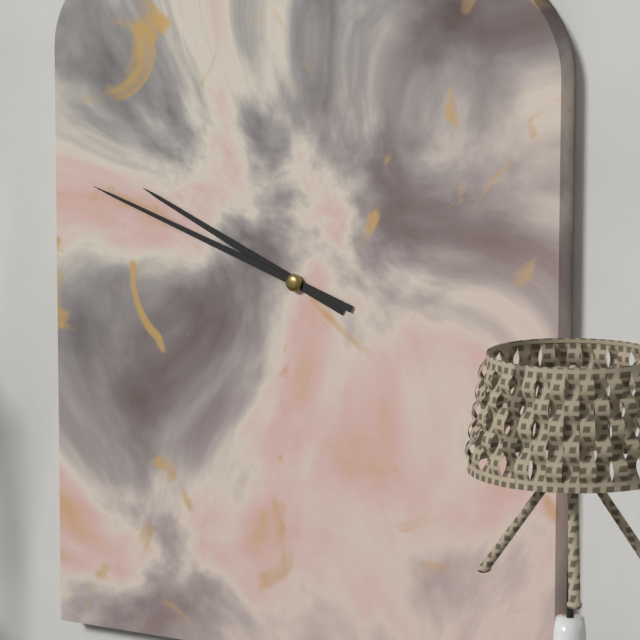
9:48
